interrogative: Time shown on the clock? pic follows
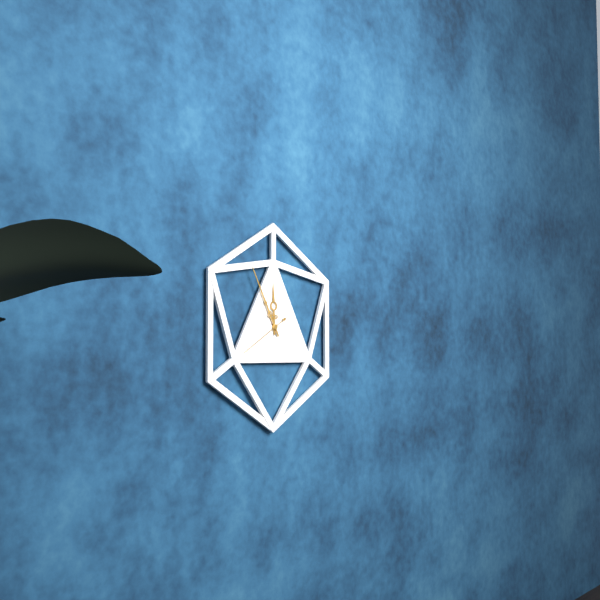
11:55:40
